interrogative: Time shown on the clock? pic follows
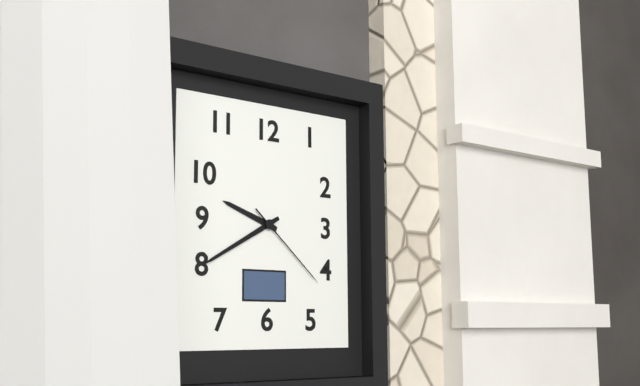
9:40:22
